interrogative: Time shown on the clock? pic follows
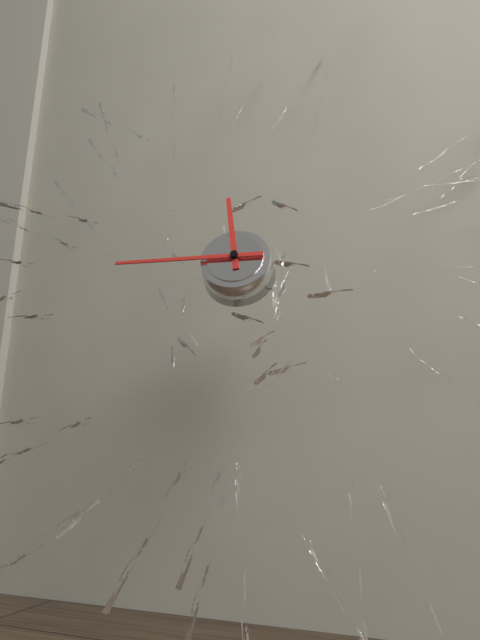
11:45
